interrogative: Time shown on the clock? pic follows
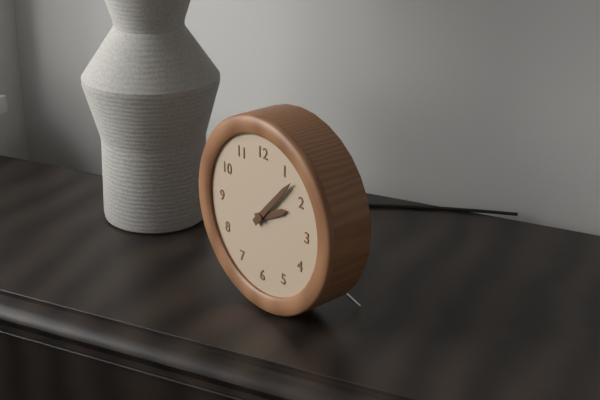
2:07
